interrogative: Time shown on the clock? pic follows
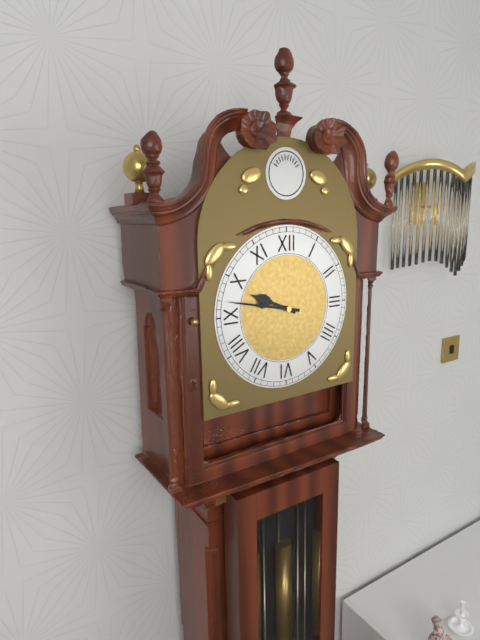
9:47
